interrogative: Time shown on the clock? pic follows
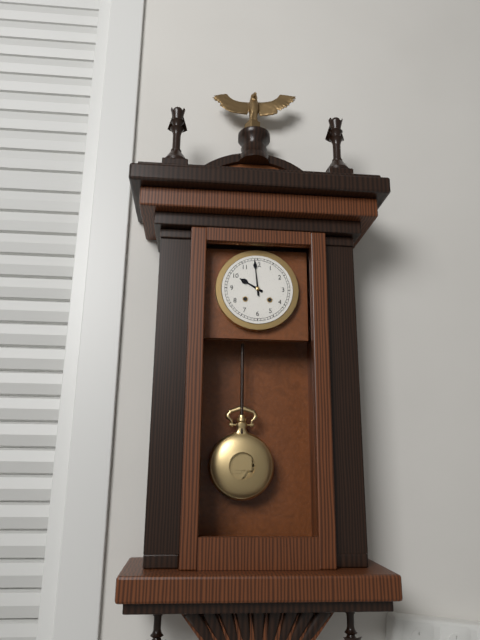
9:59
